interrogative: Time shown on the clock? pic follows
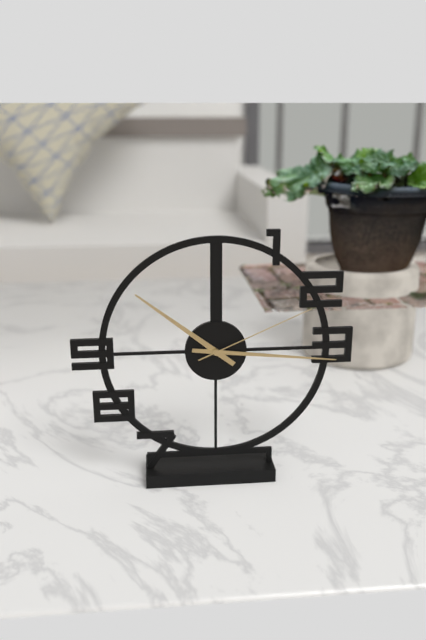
10:16:11
